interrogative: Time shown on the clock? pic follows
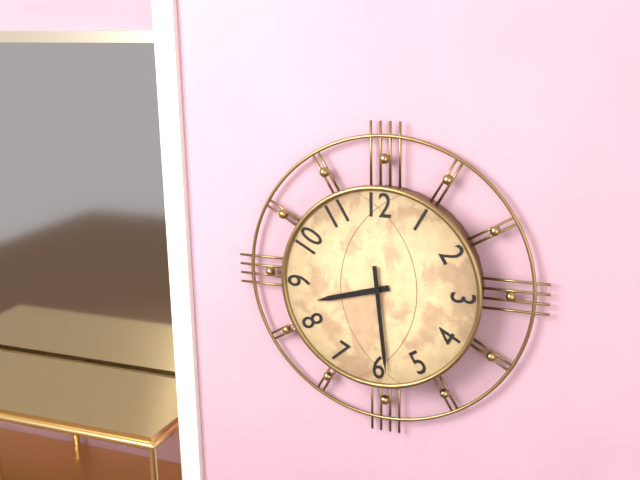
8:29
